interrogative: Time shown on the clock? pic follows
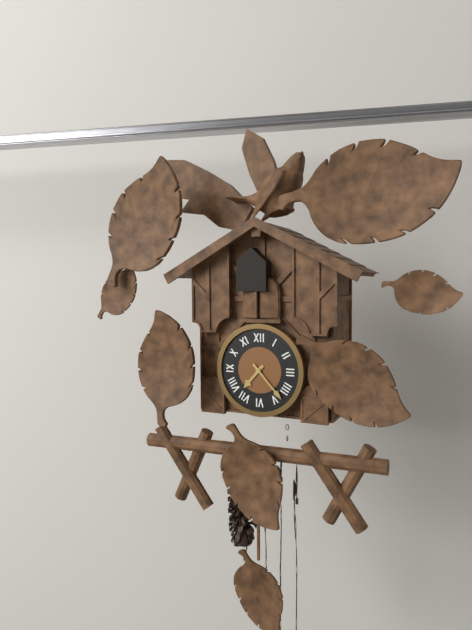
7:23
